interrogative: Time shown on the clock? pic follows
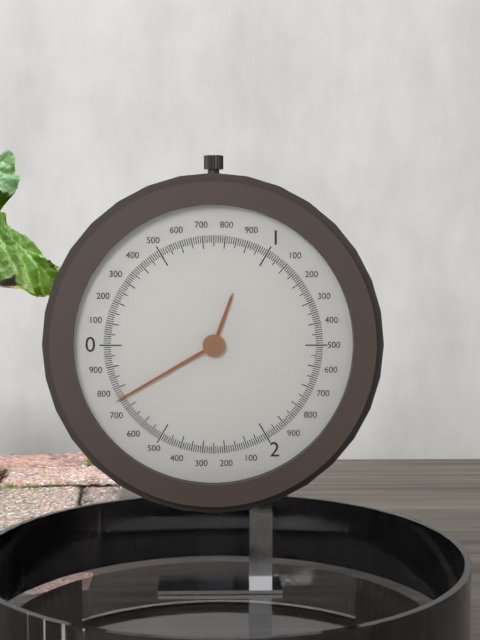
12:40
